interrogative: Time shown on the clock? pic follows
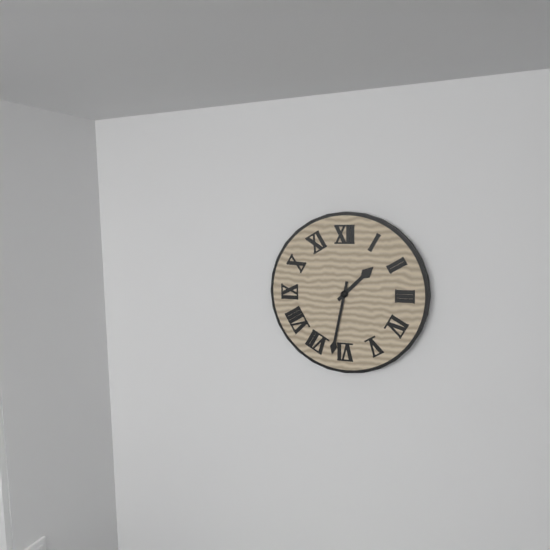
1:32
